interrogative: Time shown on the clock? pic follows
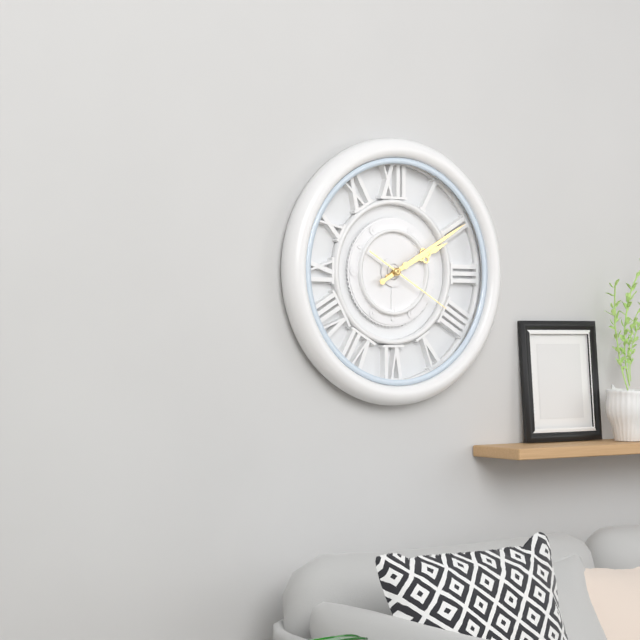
2:10:20
